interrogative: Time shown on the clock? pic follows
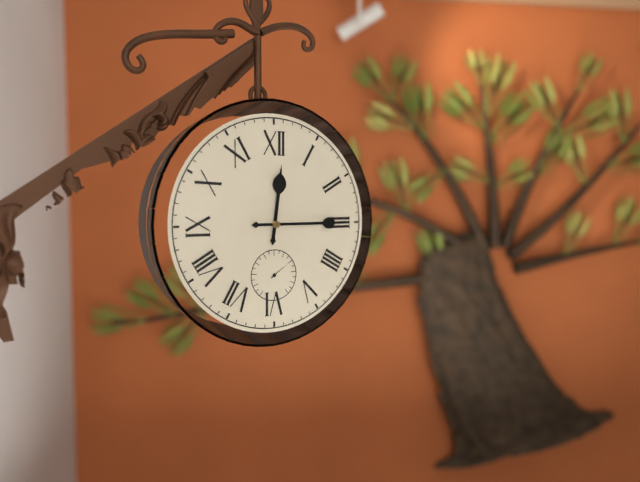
12:15
